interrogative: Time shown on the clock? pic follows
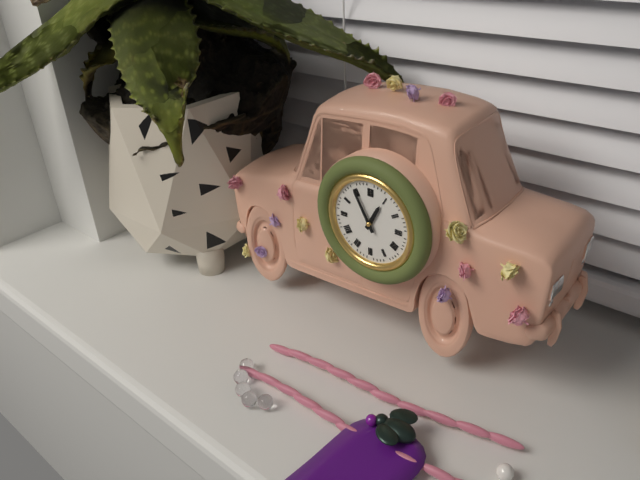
12:55
